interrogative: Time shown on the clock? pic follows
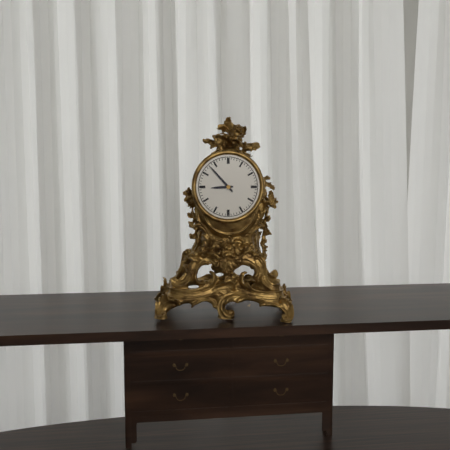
8:53
